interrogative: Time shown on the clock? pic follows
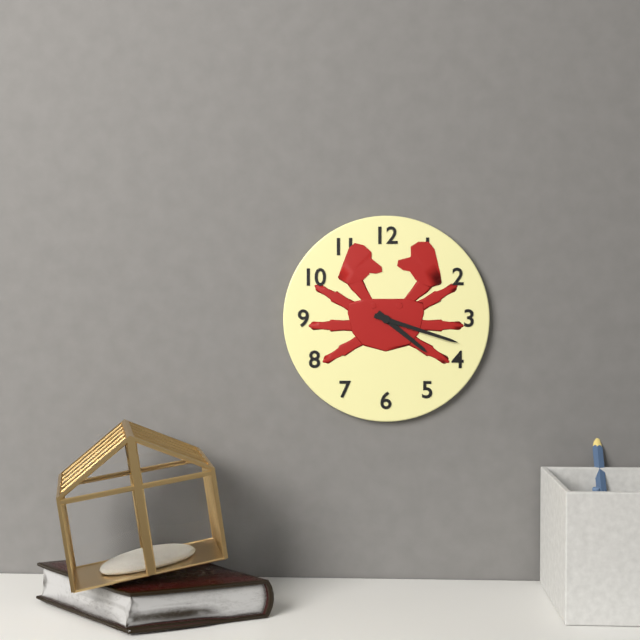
4:18
